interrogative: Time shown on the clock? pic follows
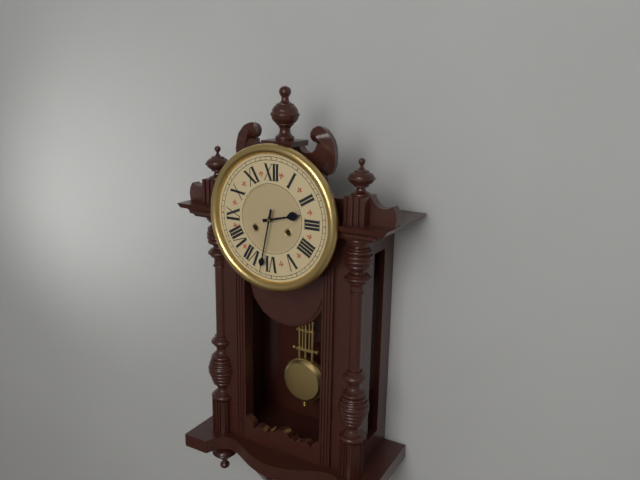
2:32
